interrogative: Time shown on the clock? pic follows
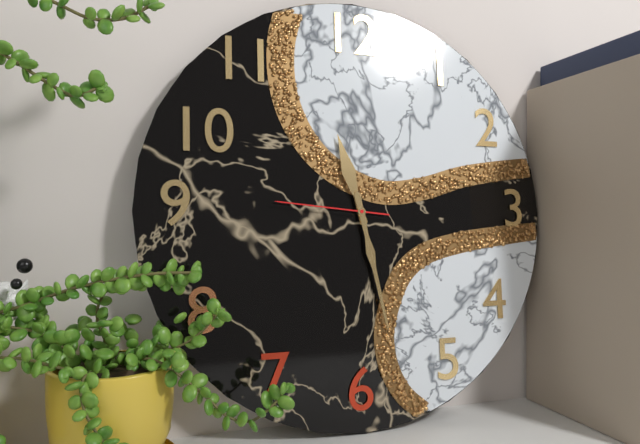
11:28:46
